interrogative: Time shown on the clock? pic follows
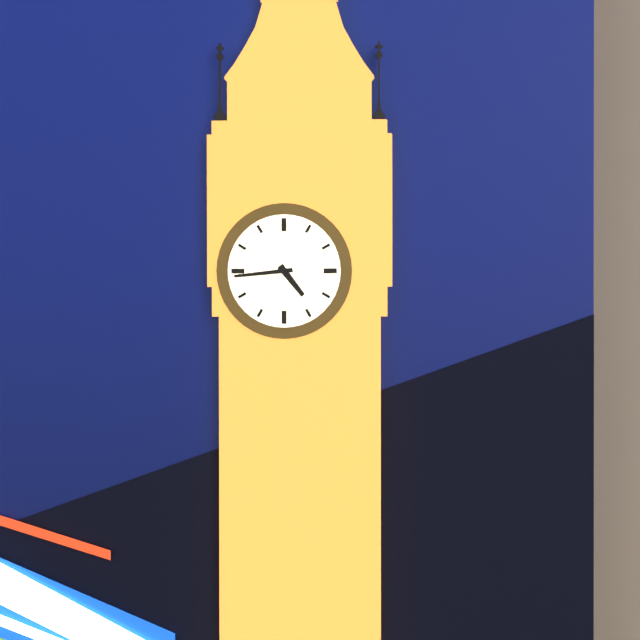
4:44
